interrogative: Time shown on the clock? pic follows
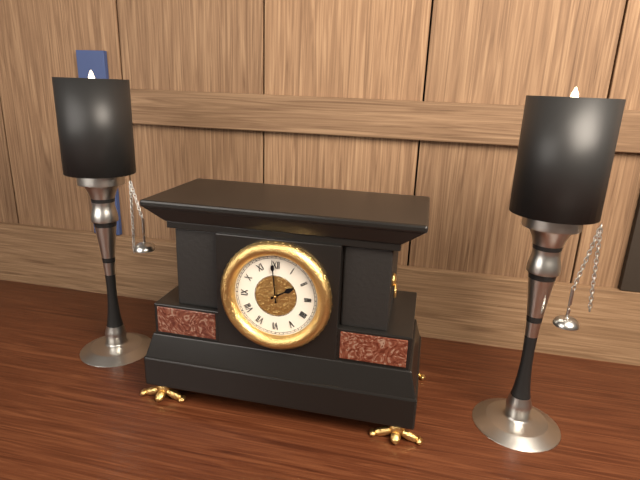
1:59
